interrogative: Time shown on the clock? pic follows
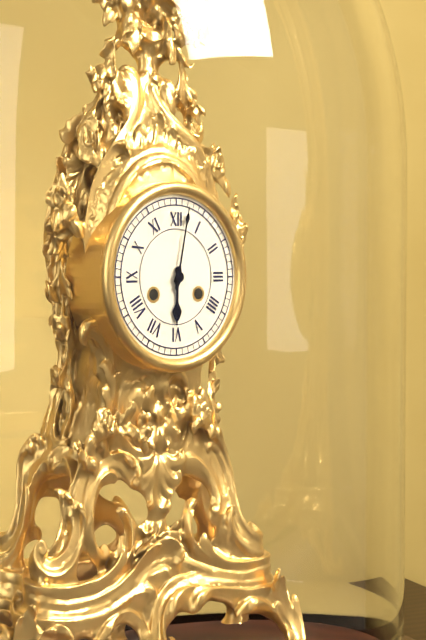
6:02
